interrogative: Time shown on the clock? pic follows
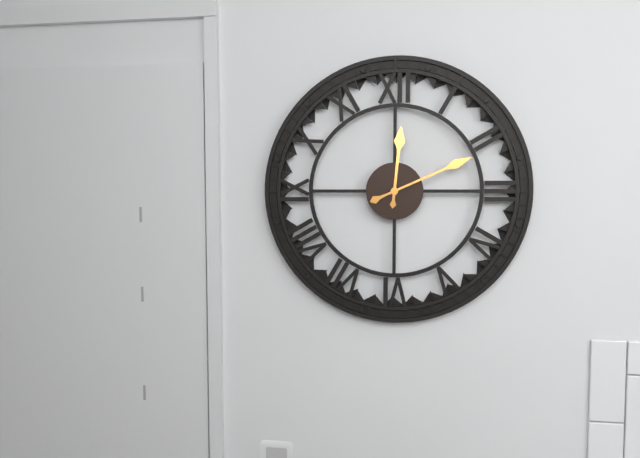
12:11
